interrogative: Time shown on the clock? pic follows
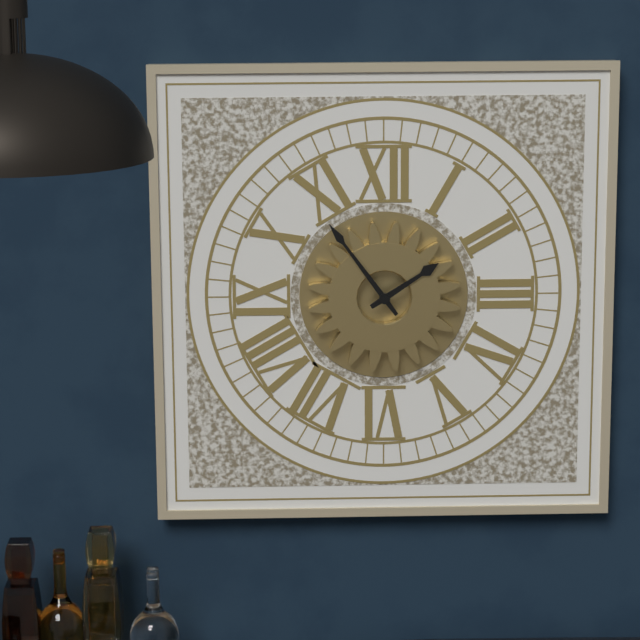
1:54
